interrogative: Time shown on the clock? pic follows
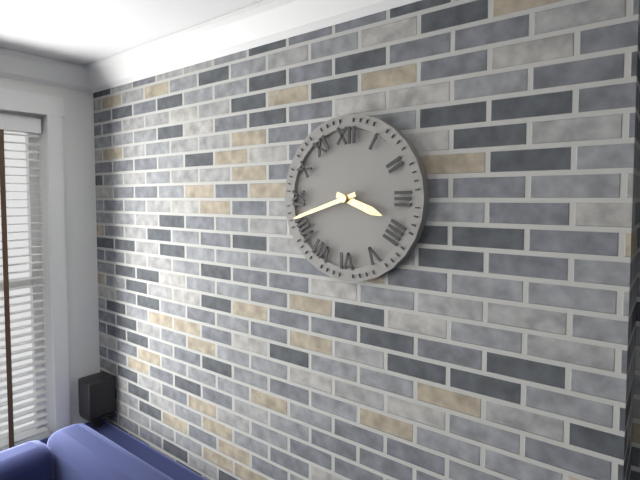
3:42
